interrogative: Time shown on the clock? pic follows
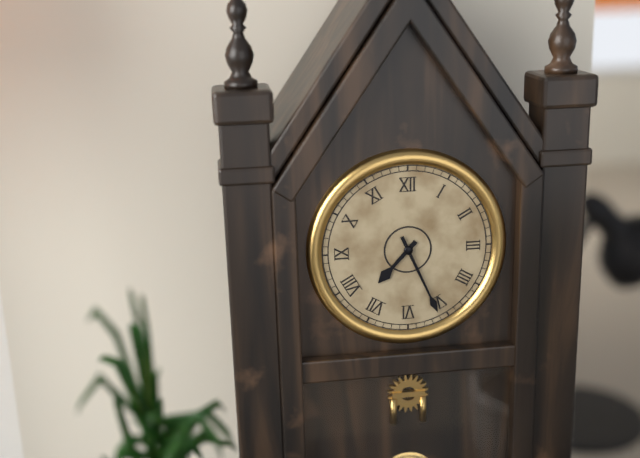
7:26
